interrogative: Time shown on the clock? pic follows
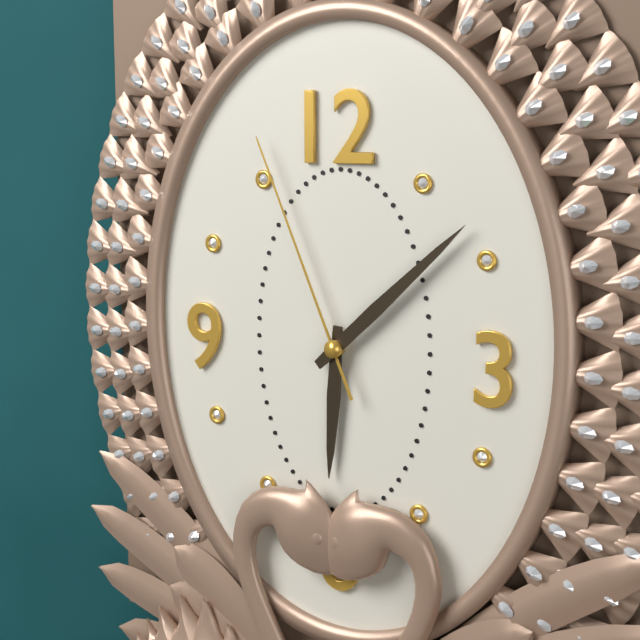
6:08:56
